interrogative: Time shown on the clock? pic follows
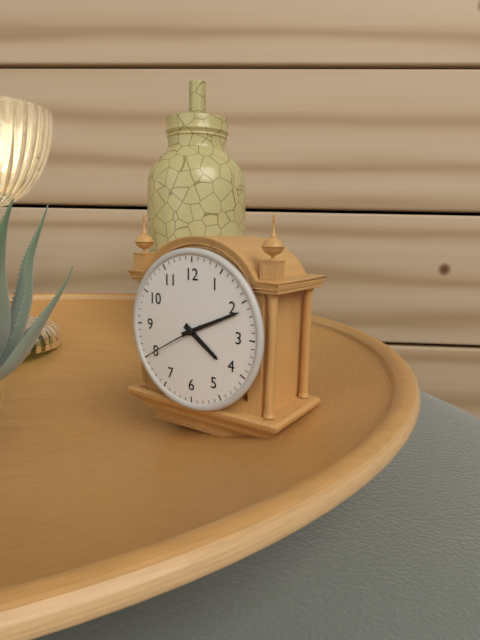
4:11:40
